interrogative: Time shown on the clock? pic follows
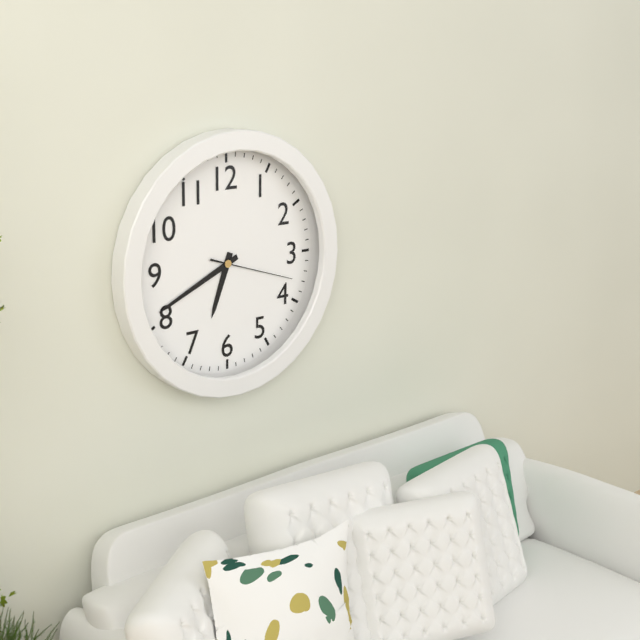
6:41:18
